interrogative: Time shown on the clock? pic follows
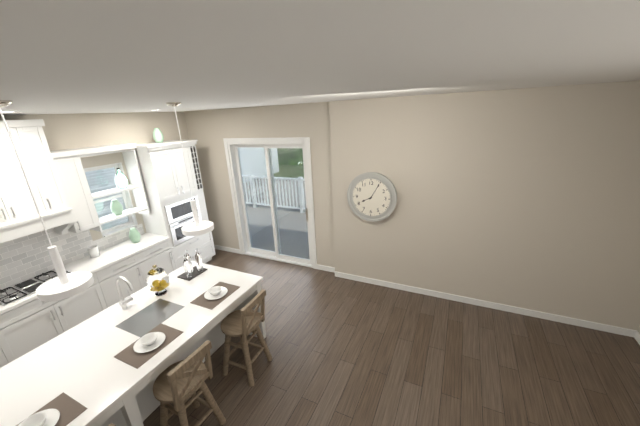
8:05
